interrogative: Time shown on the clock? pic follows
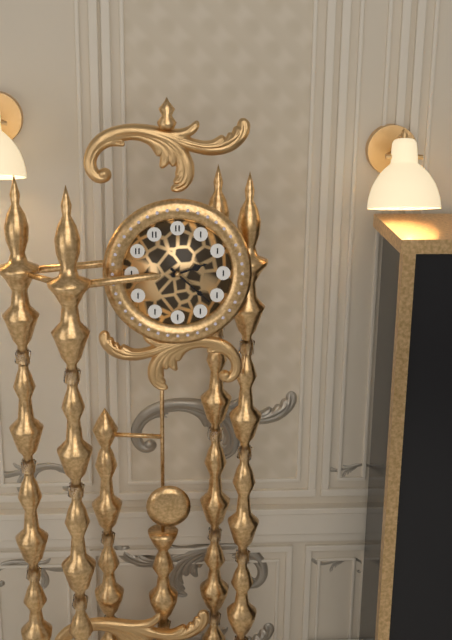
2:22
